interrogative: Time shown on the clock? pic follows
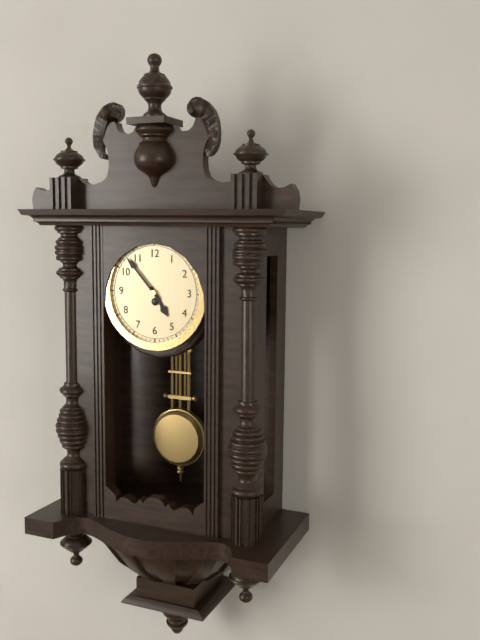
4:53
